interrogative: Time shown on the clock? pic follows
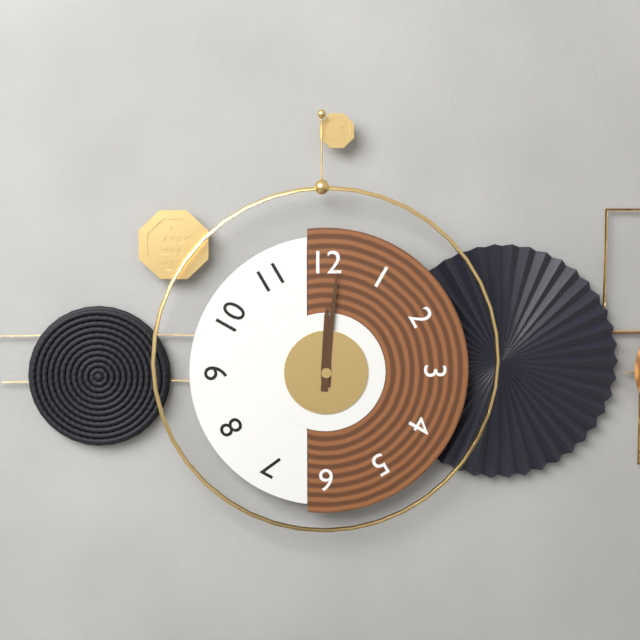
12:01
